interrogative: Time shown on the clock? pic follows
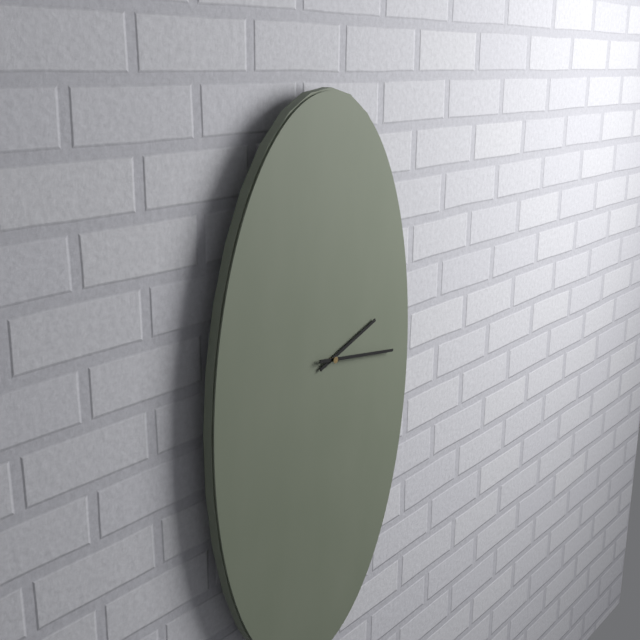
2:16
